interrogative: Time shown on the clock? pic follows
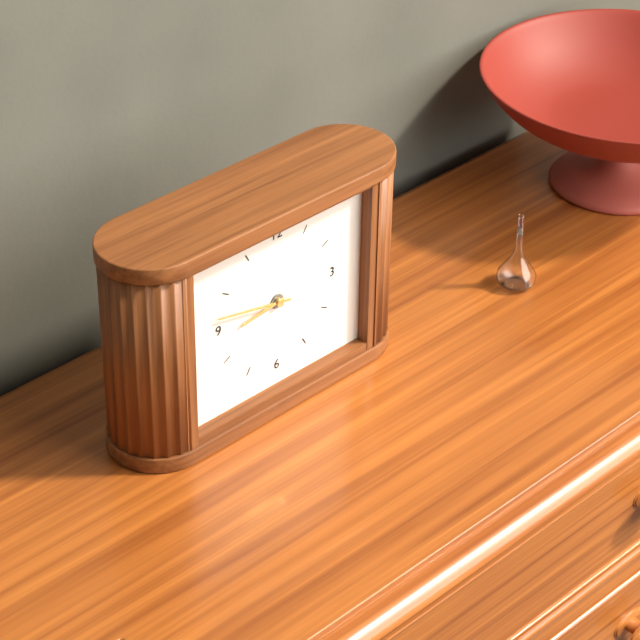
8:47
